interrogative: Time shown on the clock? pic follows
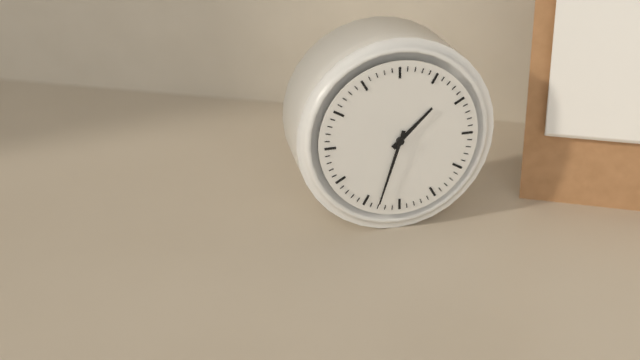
1:33
